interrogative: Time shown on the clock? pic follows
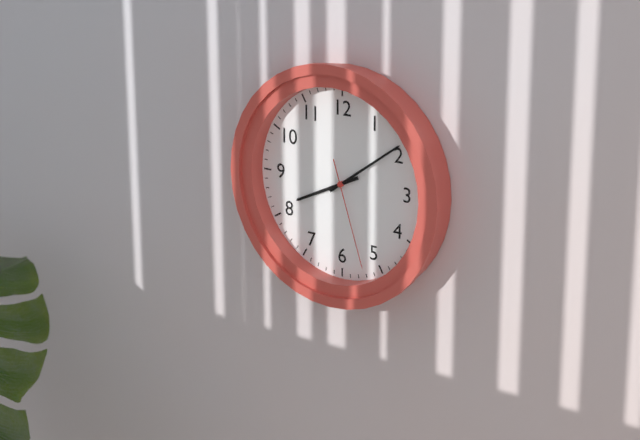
8:09:27
